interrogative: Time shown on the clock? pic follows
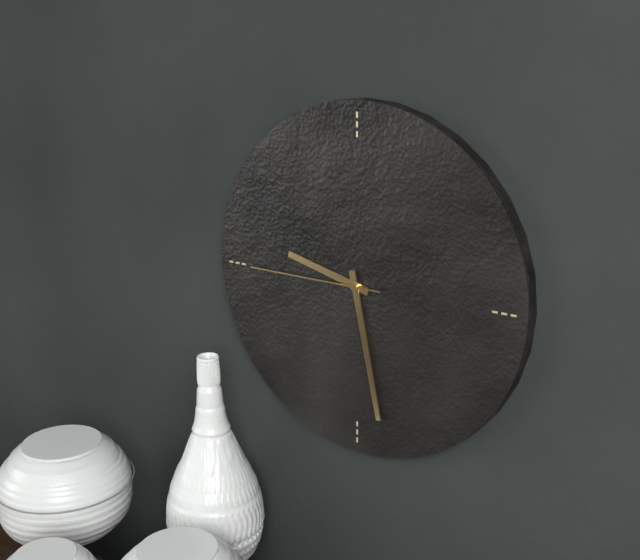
9:28:45
